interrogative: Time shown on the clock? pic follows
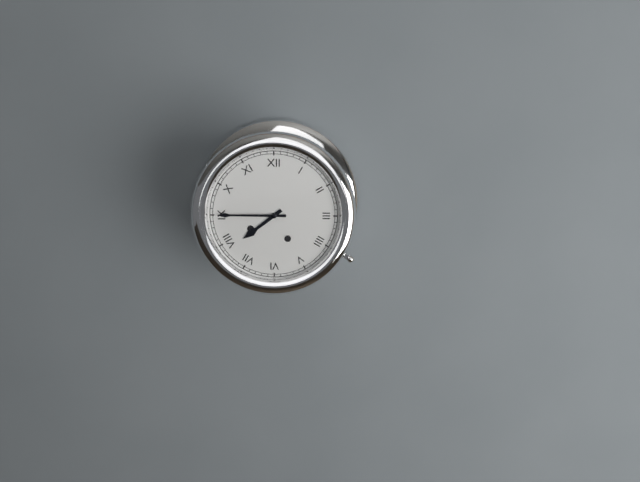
7:45
